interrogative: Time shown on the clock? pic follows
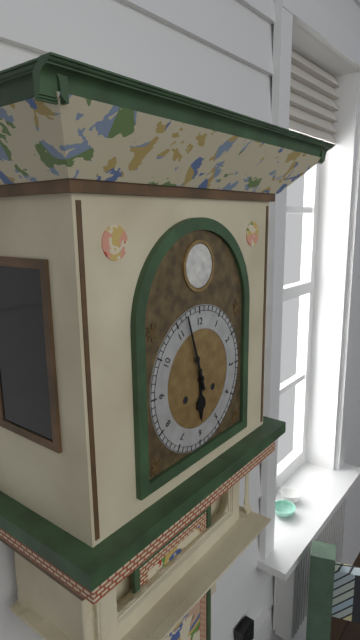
5:57
